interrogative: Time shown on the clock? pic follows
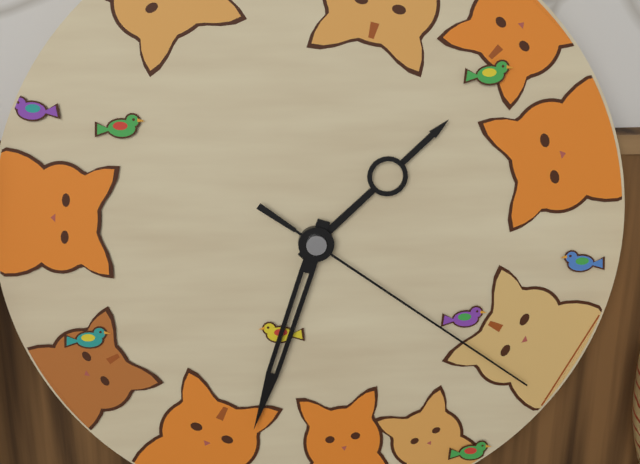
1:33:21
